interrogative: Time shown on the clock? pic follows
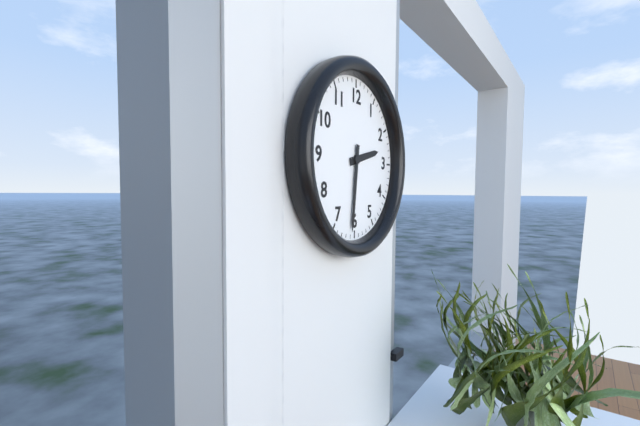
2:31
